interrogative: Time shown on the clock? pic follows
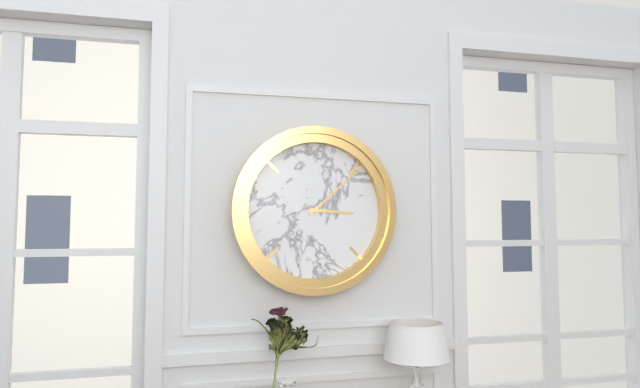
3:08
